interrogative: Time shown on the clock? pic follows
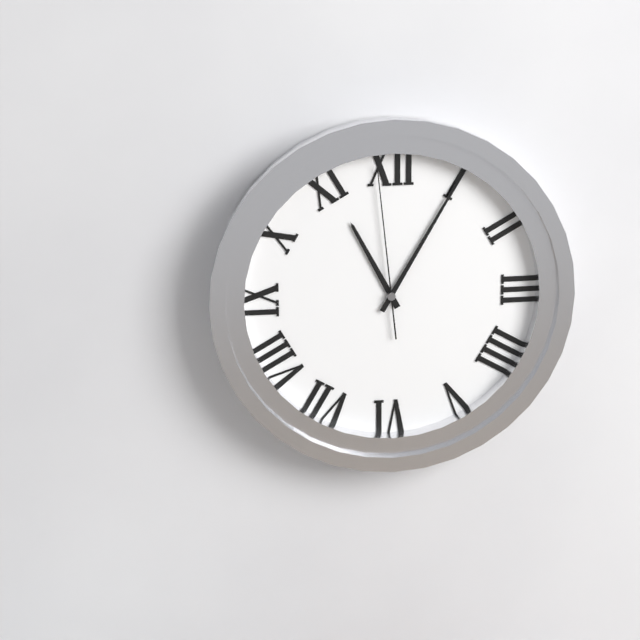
11:05:59
